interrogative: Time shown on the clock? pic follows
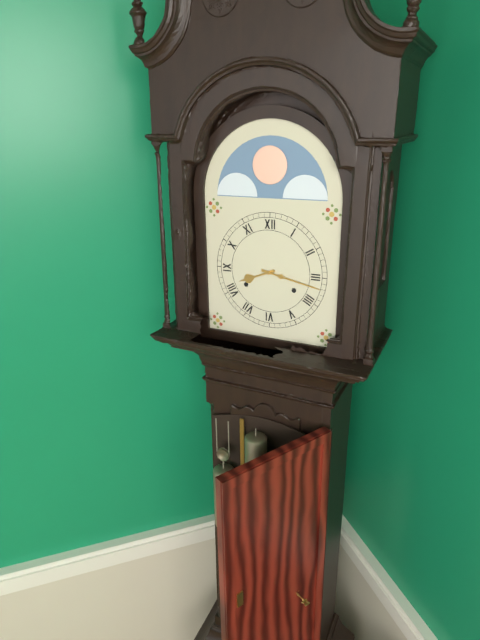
8:17
